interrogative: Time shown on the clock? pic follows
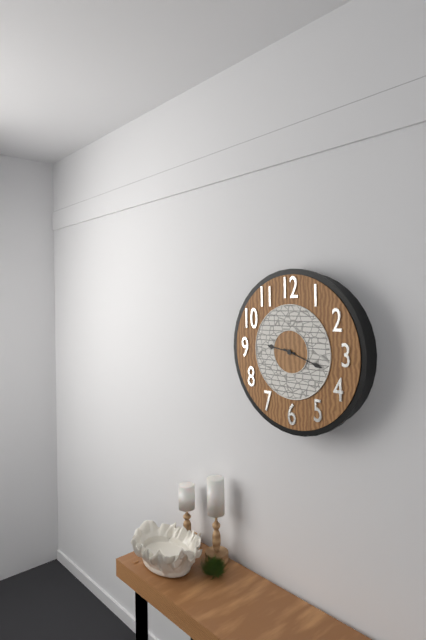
9:18
